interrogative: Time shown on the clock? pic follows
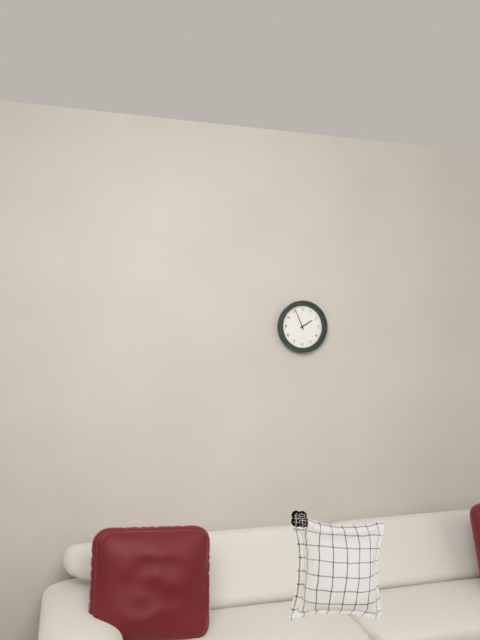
1:56
